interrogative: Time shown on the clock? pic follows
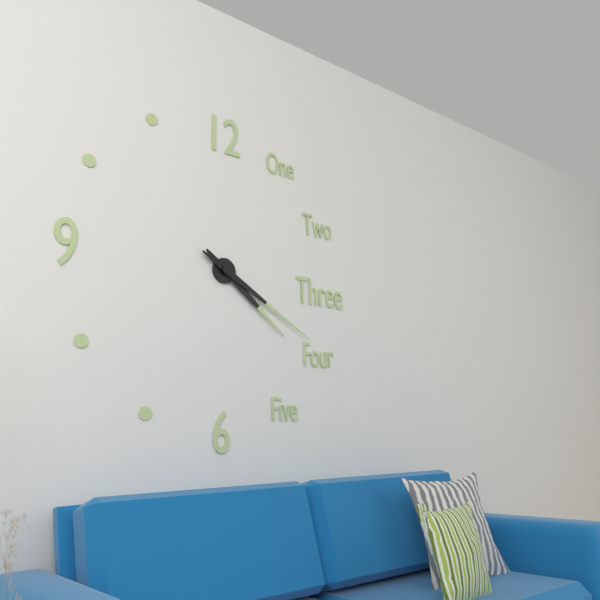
4:20
